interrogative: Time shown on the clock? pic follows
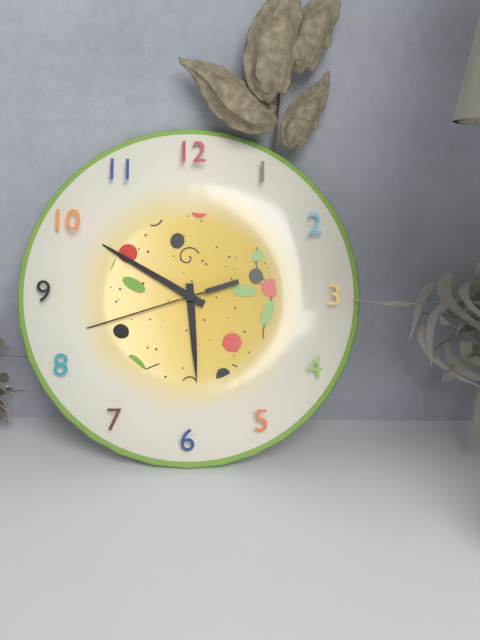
5:50:42
